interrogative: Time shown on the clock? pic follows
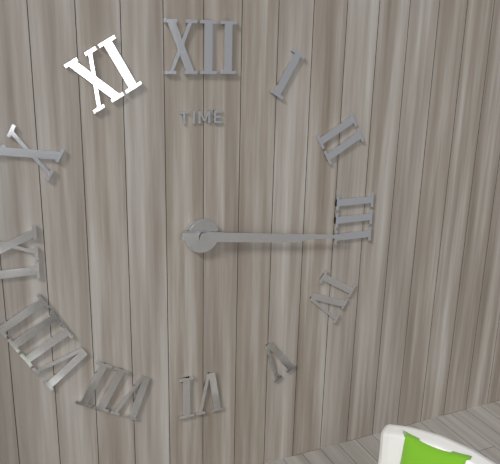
3:16
